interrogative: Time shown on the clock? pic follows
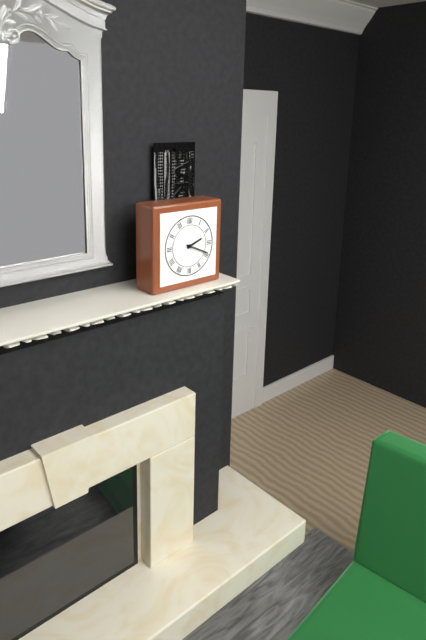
2:19
